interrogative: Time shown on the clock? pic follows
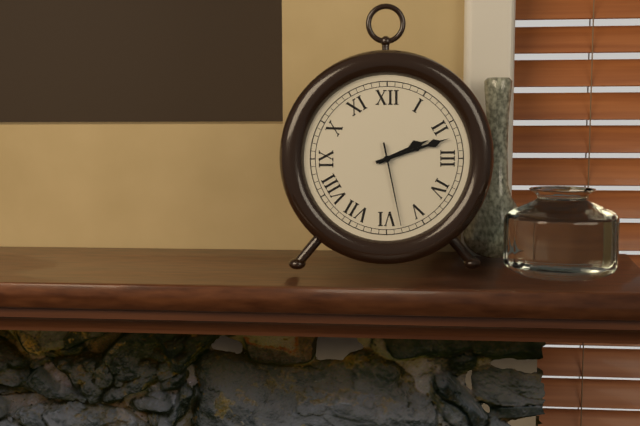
2:12:28
